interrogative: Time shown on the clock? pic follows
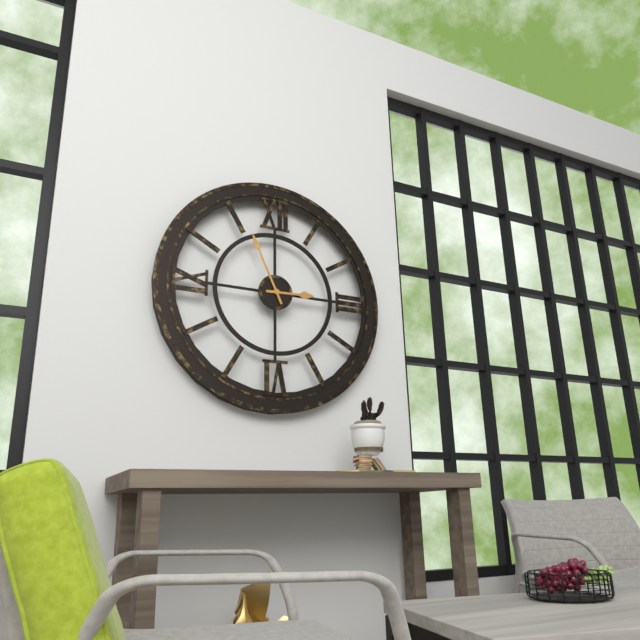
2:56
